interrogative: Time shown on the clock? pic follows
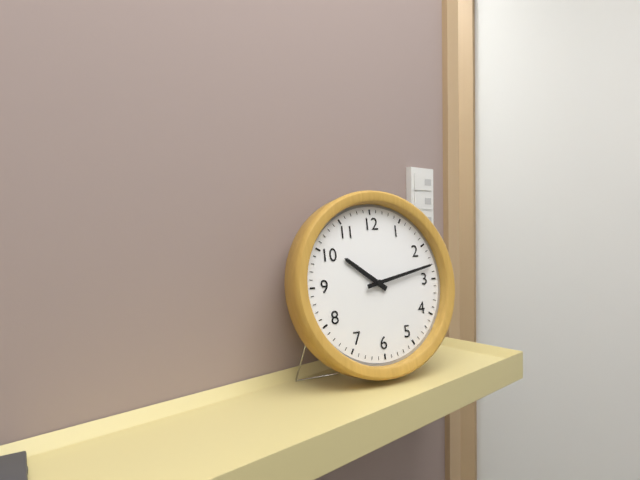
10:13
